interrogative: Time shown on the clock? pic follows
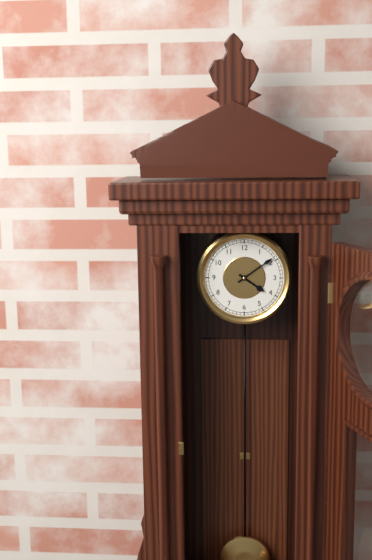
4:09
